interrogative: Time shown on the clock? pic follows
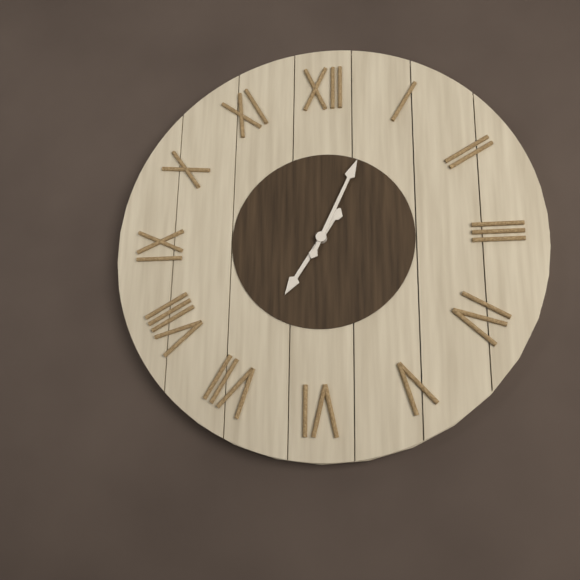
7:04
